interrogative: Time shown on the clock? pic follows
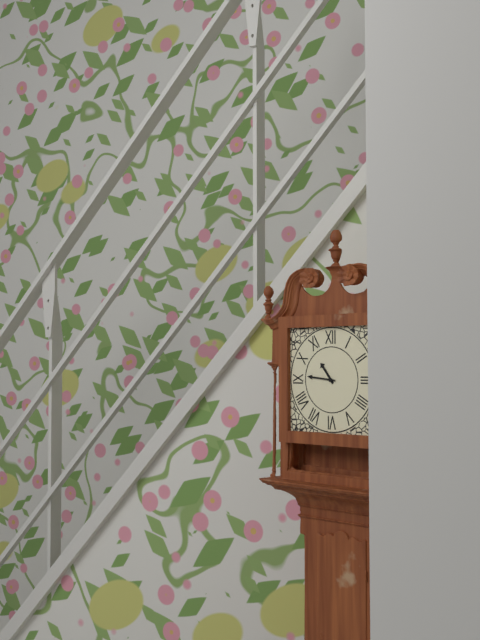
10:46
